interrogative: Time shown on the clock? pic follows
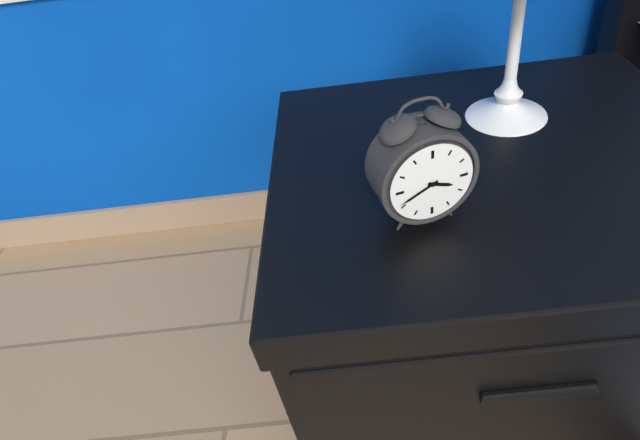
3:41
